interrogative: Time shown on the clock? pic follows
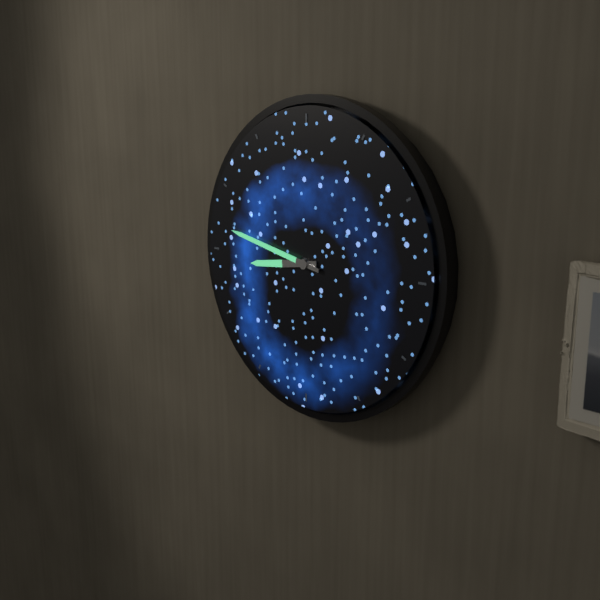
8:47
